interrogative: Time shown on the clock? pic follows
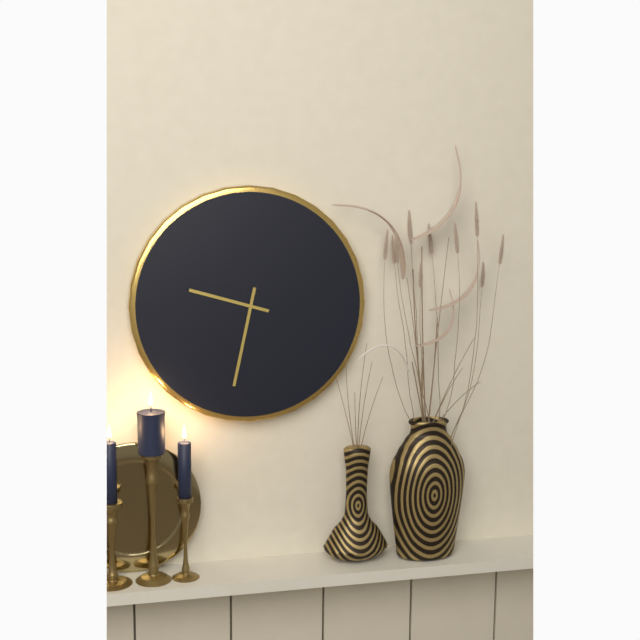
9:32
